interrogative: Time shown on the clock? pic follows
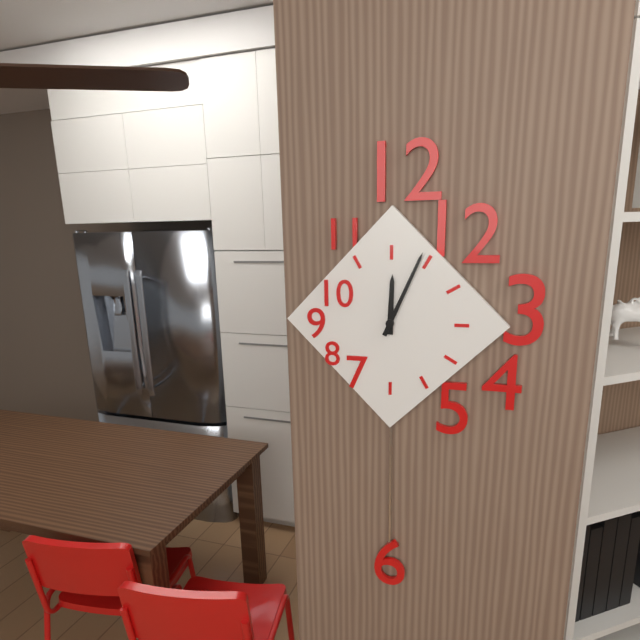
12:04
